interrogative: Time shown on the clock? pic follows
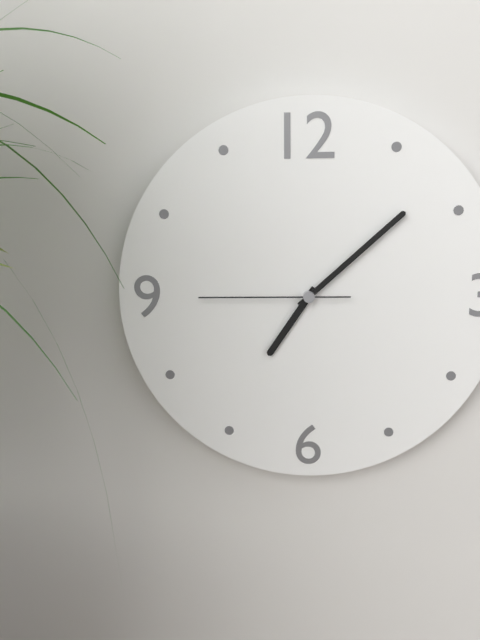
7:08:45
